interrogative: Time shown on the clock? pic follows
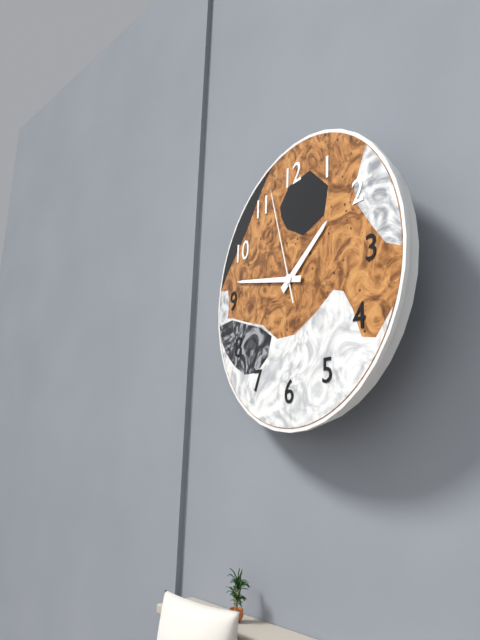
1:47:57
